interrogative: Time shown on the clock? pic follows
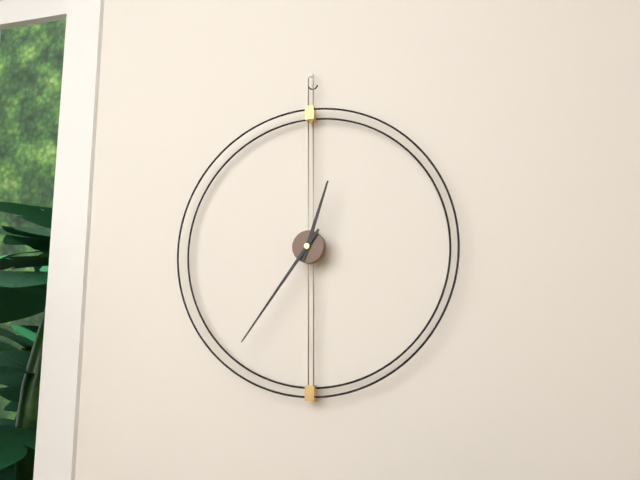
12:36
